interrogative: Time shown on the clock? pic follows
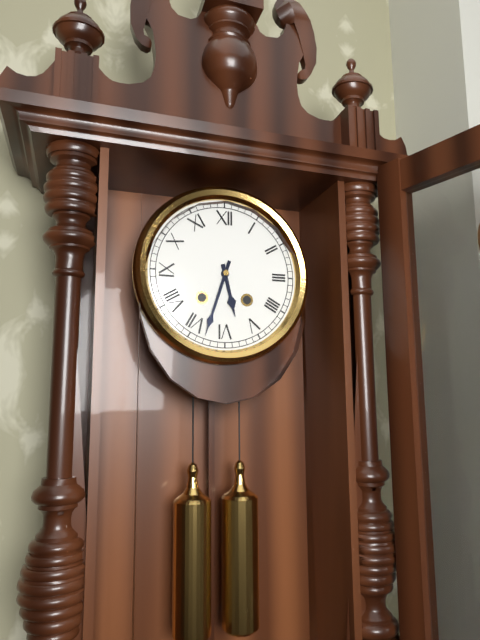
5:33
